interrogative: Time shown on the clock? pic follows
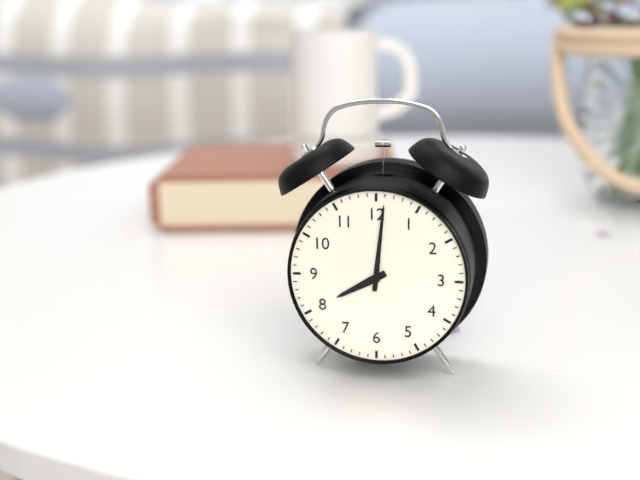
8:01
